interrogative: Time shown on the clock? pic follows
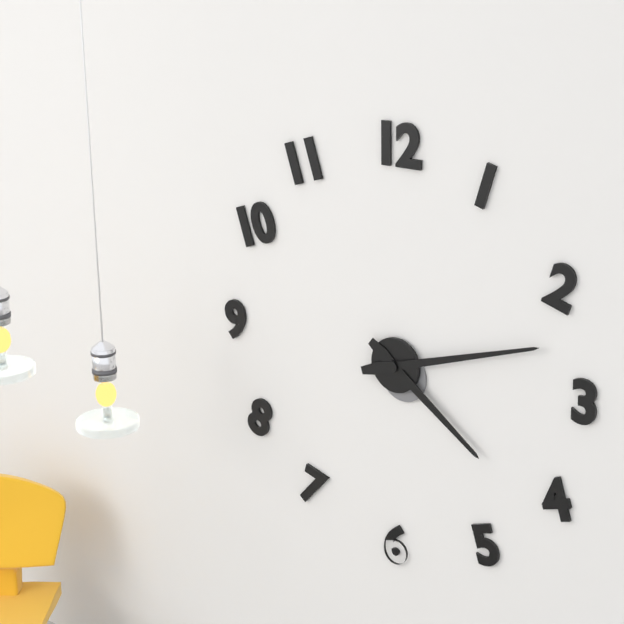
4:12
